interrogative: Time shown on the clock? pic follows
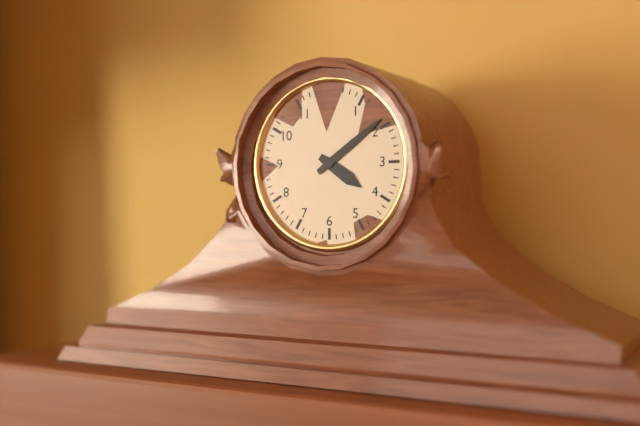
4:09
